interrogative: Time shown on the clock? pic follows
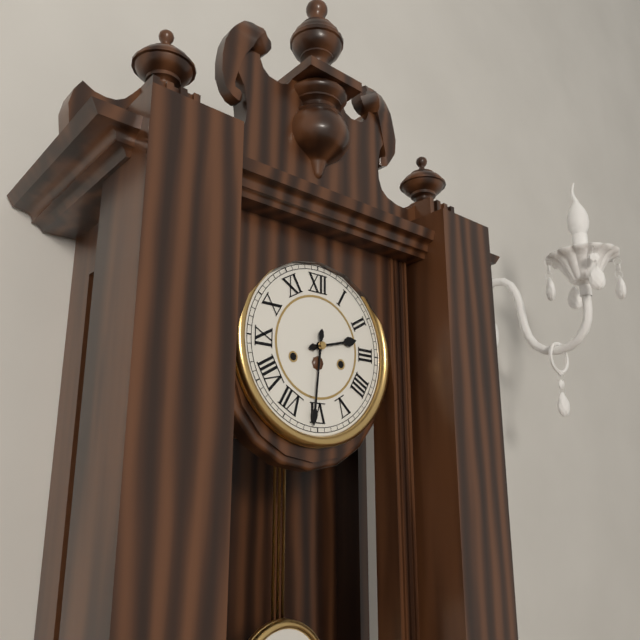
2:31
